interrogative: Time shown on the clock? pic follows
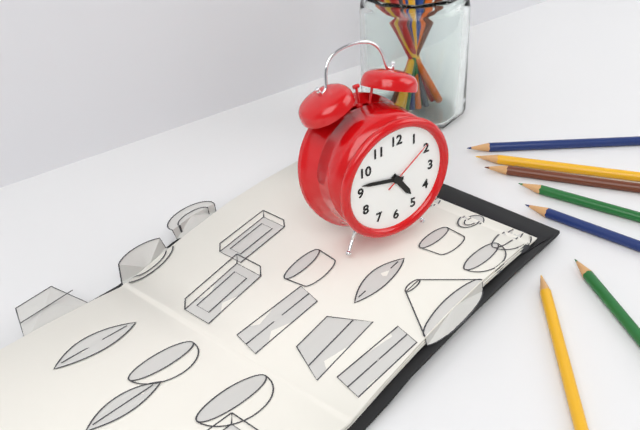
4:47:09
